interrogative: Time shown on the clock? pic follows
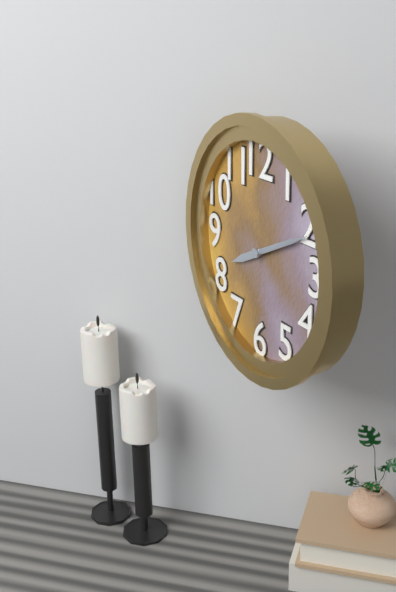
8:11
